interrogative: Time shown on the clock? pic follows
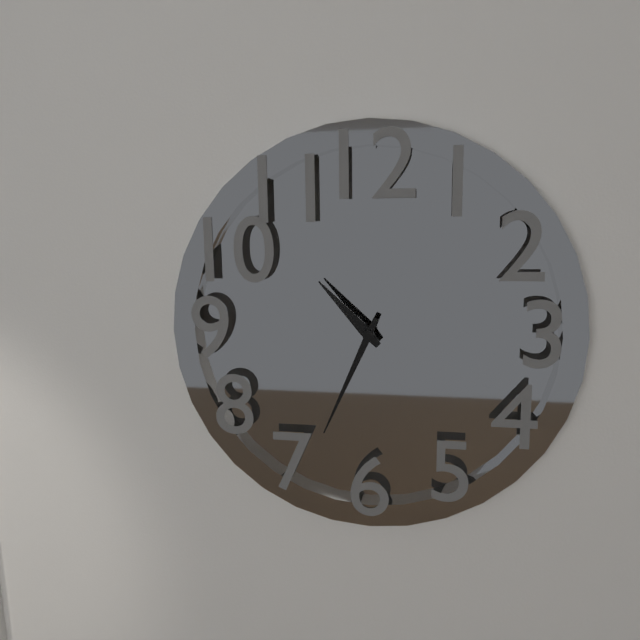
10:34
